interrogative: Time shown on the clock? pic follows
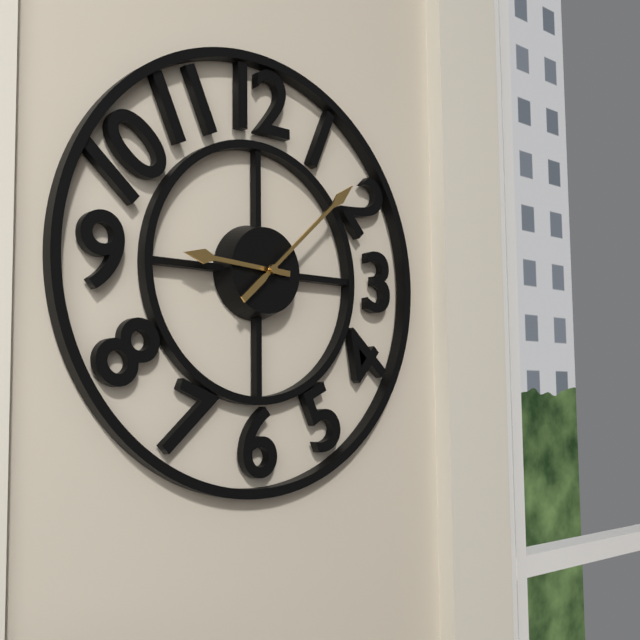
9:08
